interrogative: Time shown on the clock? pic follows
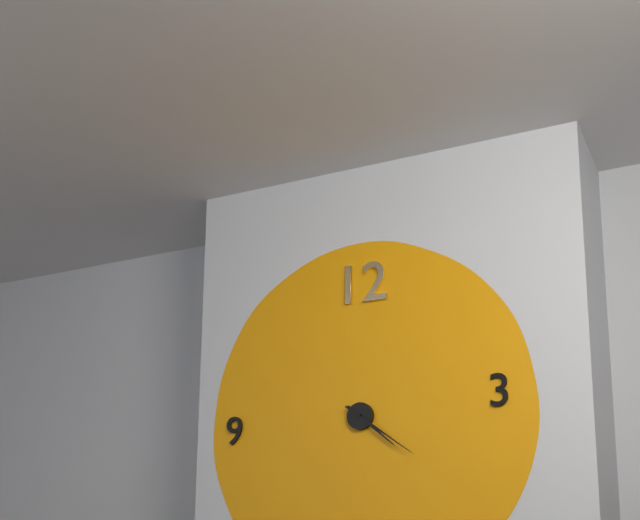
4:21
